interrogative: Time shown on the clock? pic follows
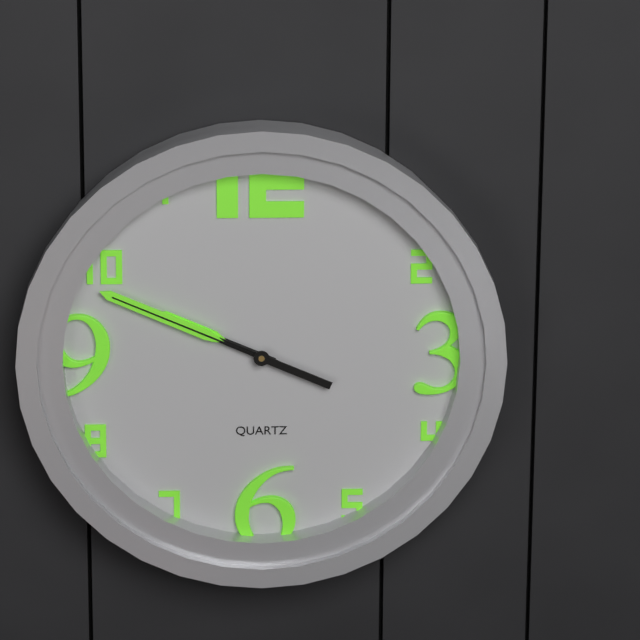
9:49:49
